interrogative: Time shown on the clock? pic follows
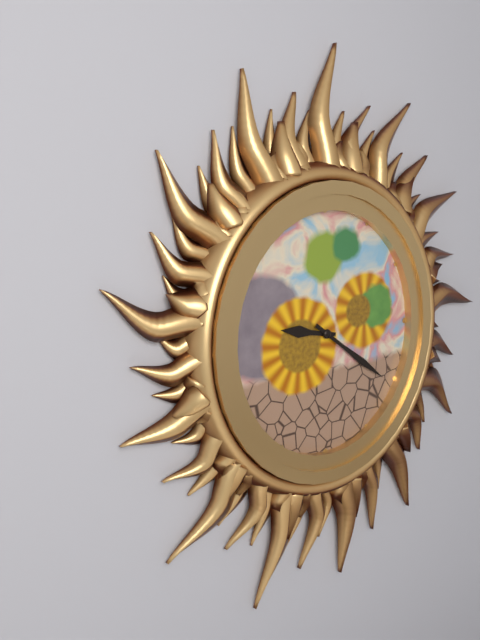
9:21
